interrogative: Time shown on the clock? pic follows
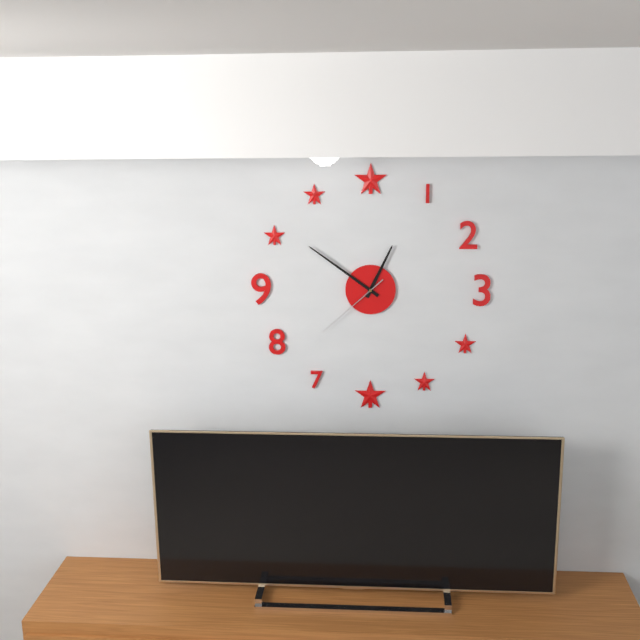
12:51:38
